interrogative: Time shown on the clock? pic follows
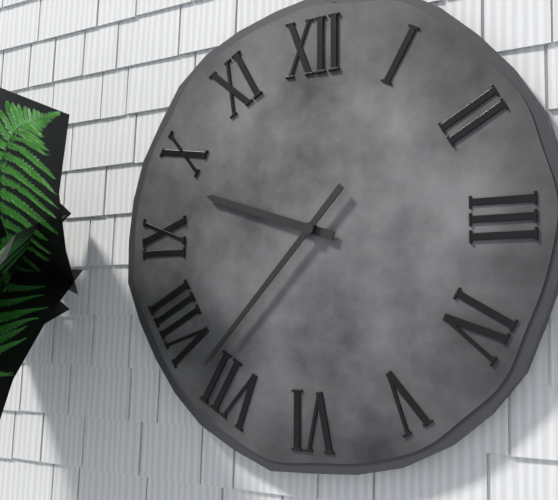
9:37
